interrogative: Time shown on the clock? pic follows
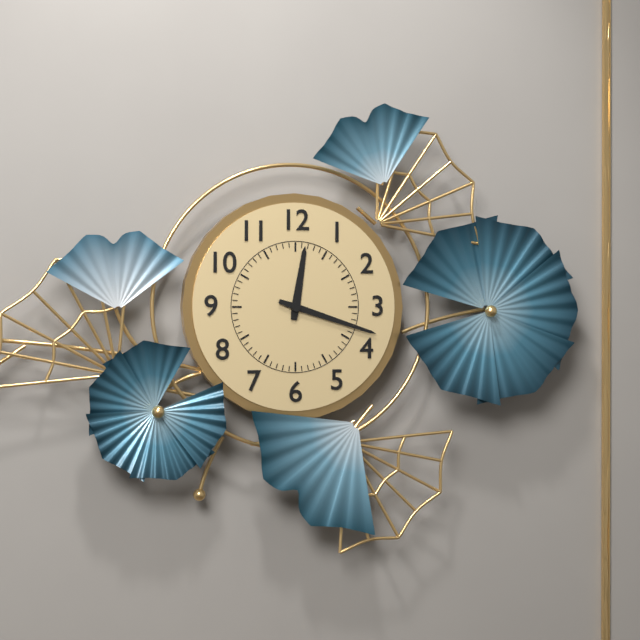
12:18
